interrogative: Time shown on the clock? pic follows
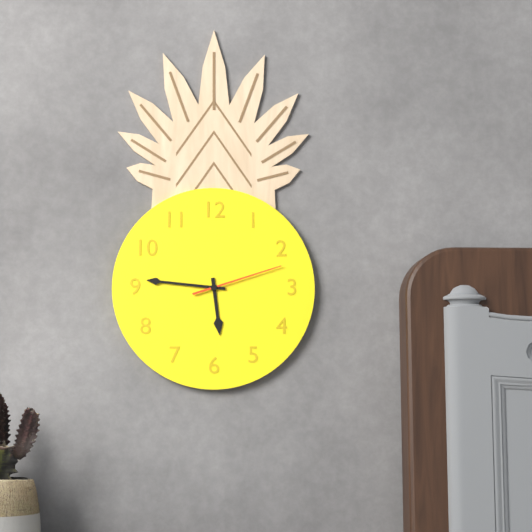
5:46:12
